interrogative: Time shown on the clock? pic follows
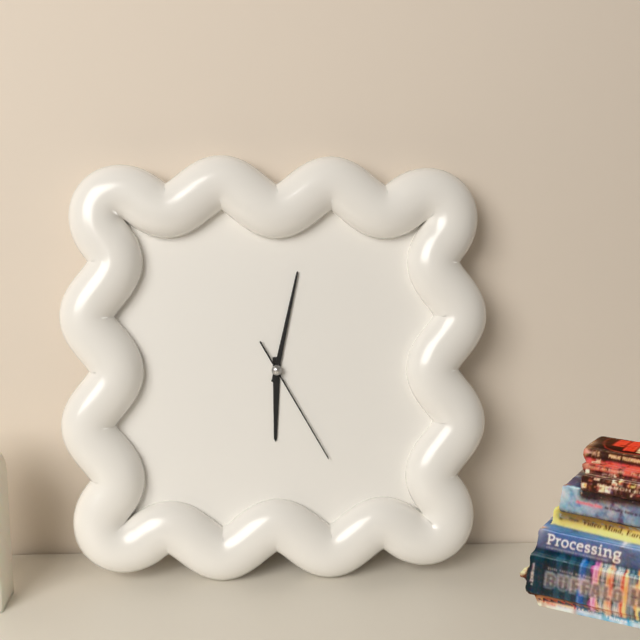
6:02:25
